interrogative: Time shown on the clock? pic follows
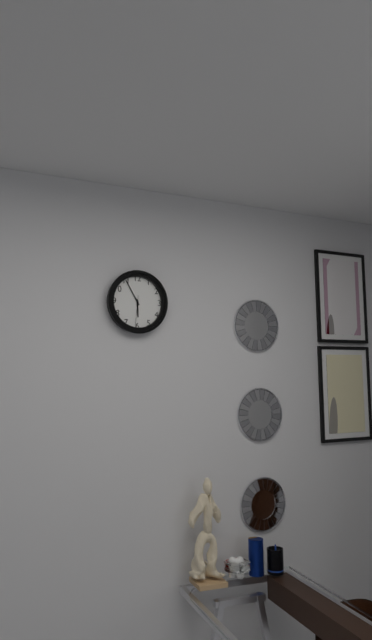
5:55
